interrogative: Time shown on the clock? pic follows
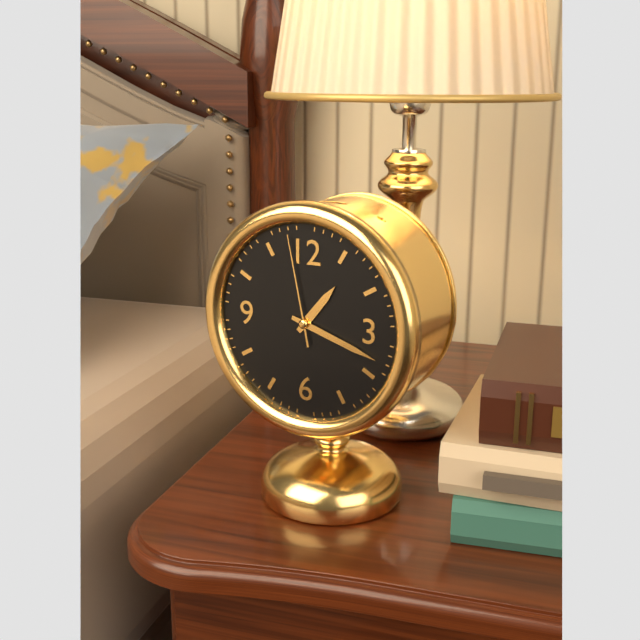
1:18:58
